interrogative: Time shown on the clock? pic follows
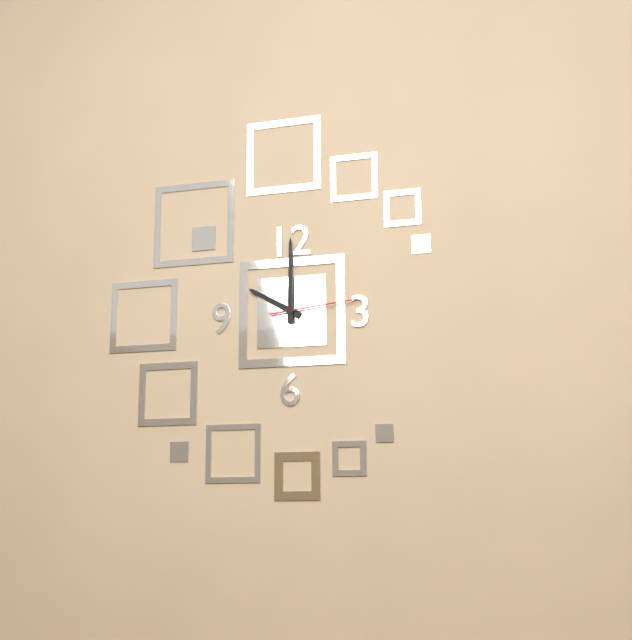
10:00:14
